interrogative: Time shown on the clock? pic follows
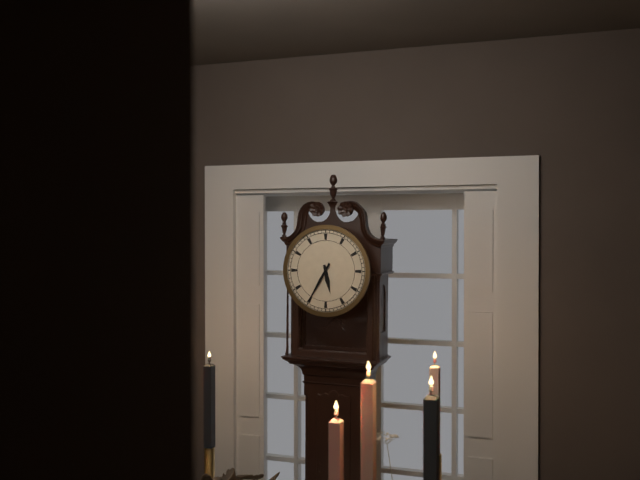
5:35
